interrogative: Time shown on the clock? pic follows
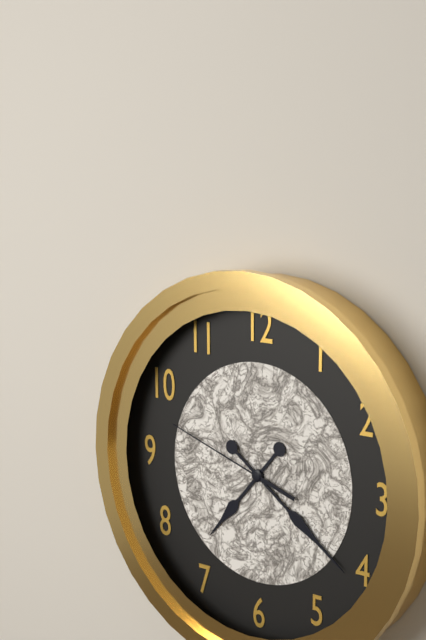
7:21:48
